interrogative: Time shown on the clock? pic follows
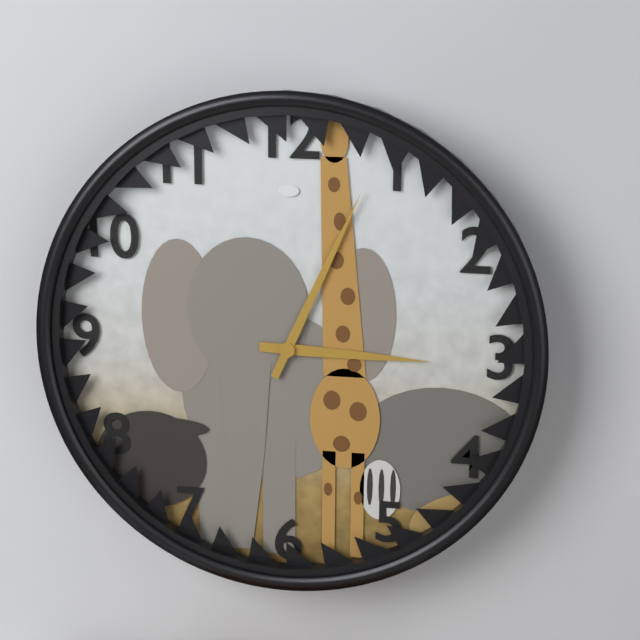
3:04
